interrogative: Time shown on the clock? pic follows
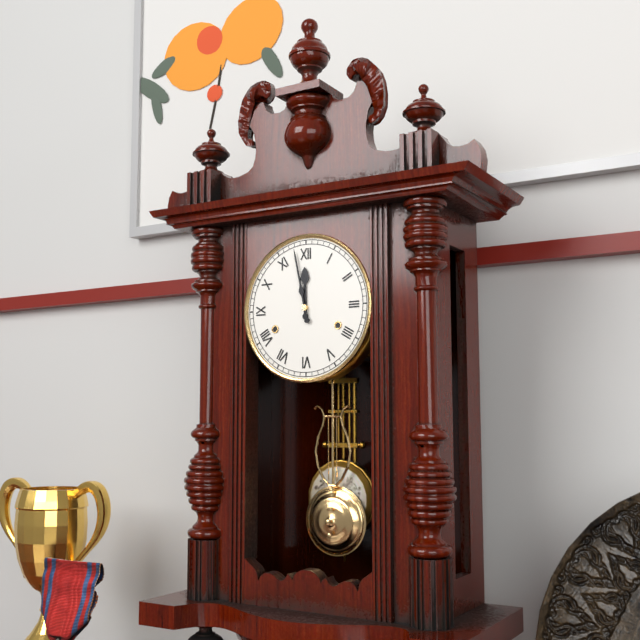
11:58
